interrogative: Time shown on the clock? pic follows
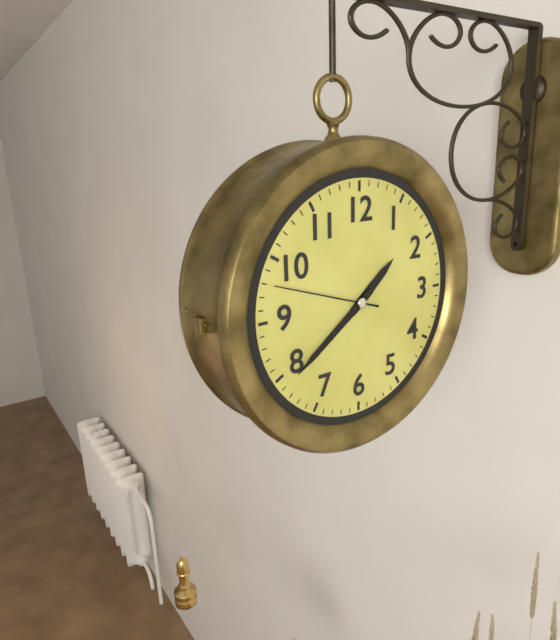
1:39:48
